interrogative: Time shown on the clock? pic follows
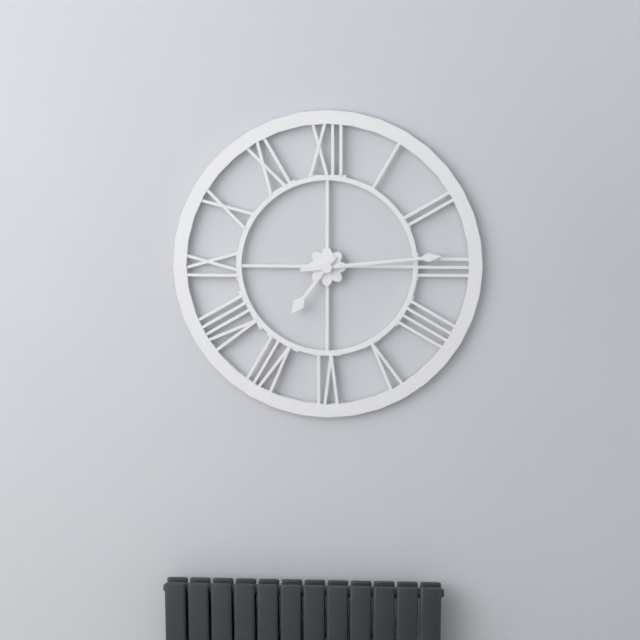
7:14
